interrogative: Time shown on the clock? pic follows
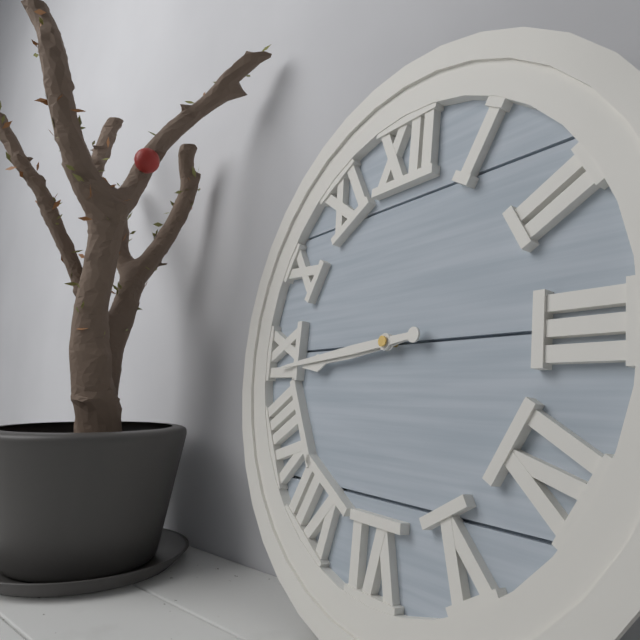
8:44
